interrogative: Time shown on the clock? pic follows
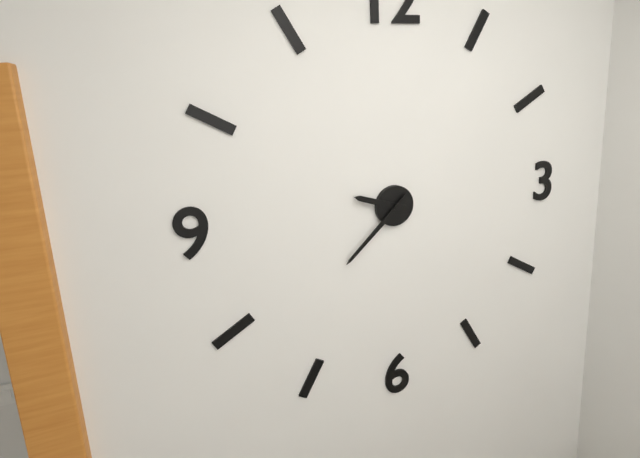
9:38
